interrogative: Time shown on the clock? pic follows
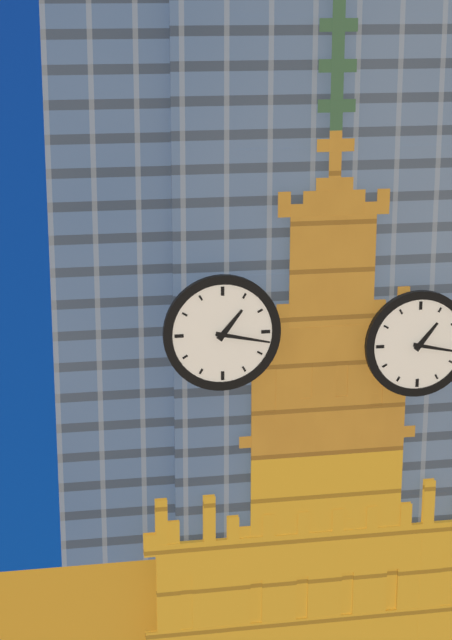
1:17
